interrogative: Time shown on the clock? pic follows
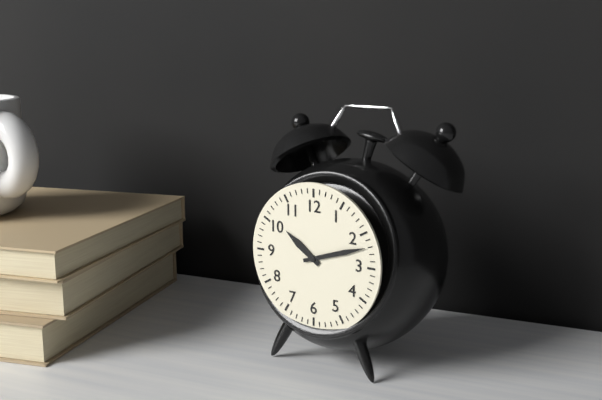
10:12
